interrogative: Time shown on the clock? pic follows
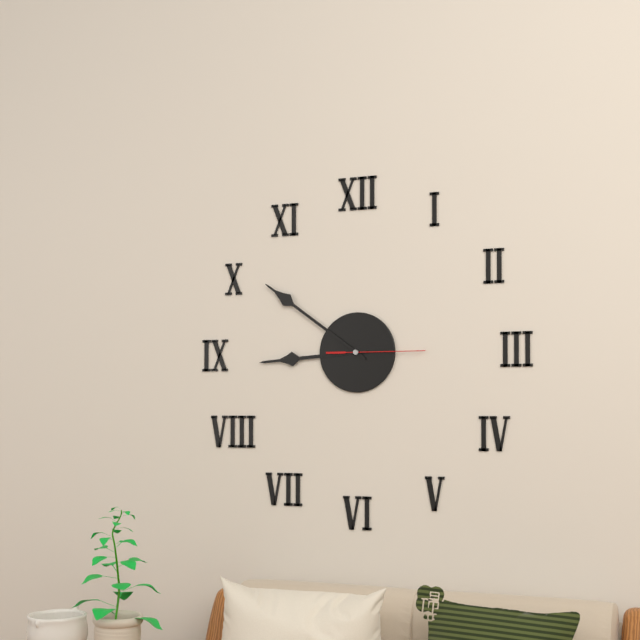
8:51:15
